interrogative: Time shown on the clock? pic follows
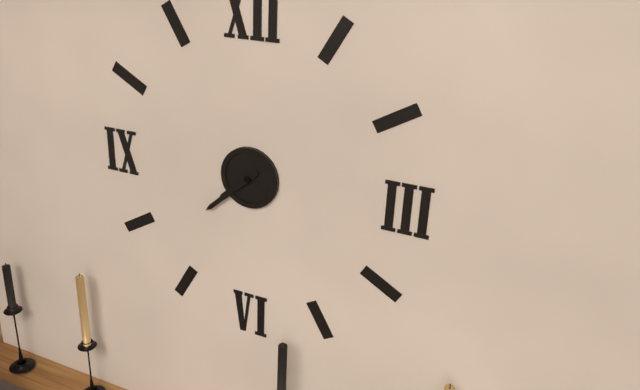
7:38
